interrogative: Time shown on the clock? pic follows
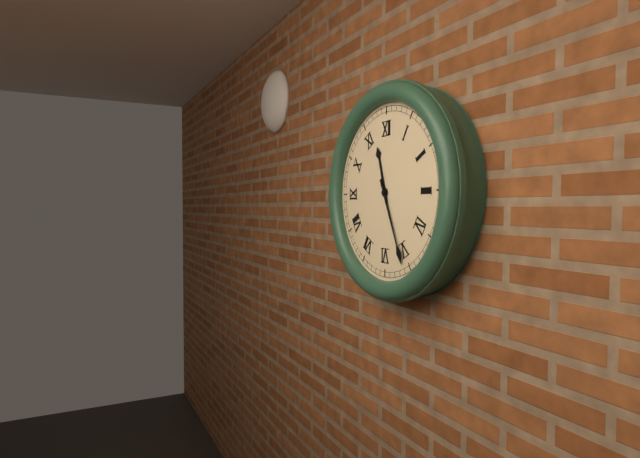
11:26
